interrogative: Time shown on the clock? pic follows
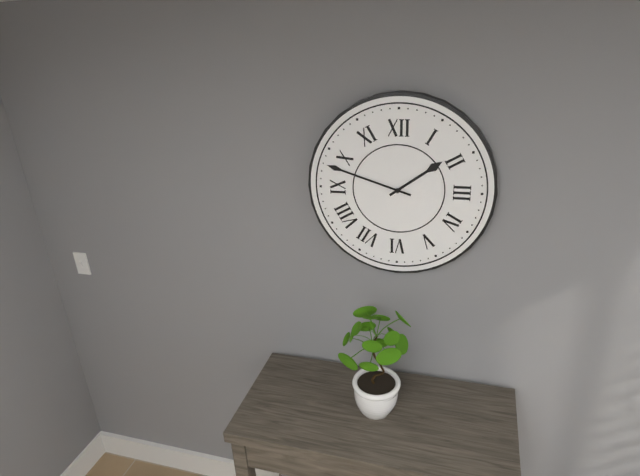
1:48
